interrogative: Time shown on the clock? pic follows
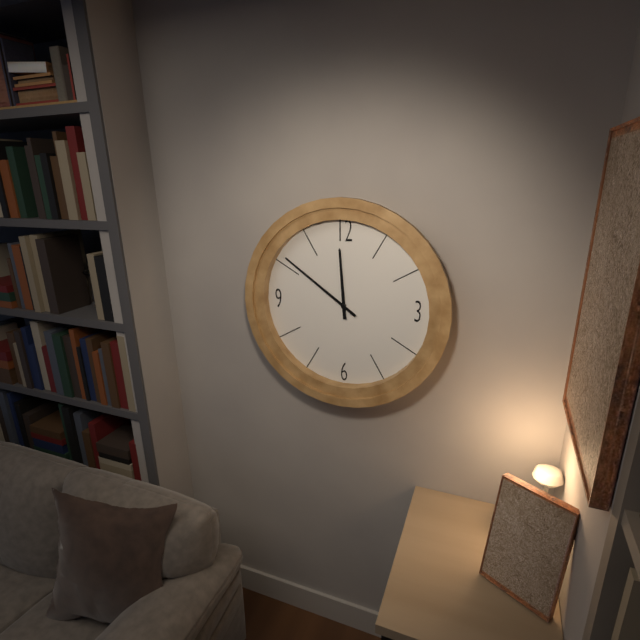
11:51
